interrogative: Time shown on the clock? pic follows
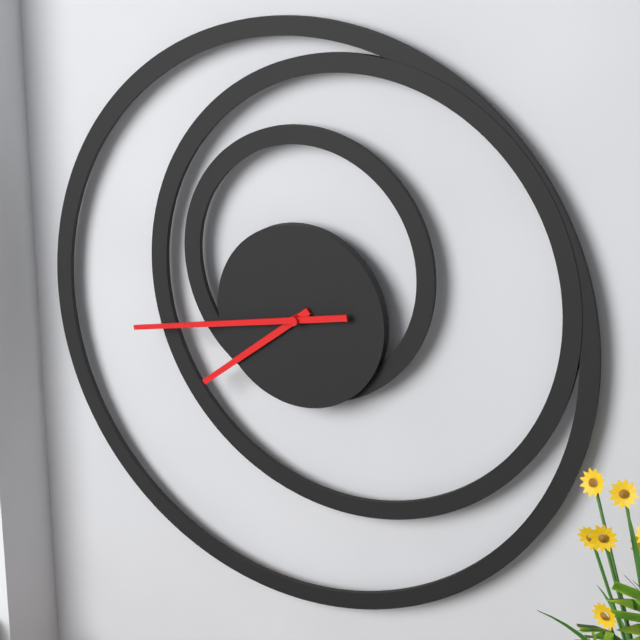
7:43
